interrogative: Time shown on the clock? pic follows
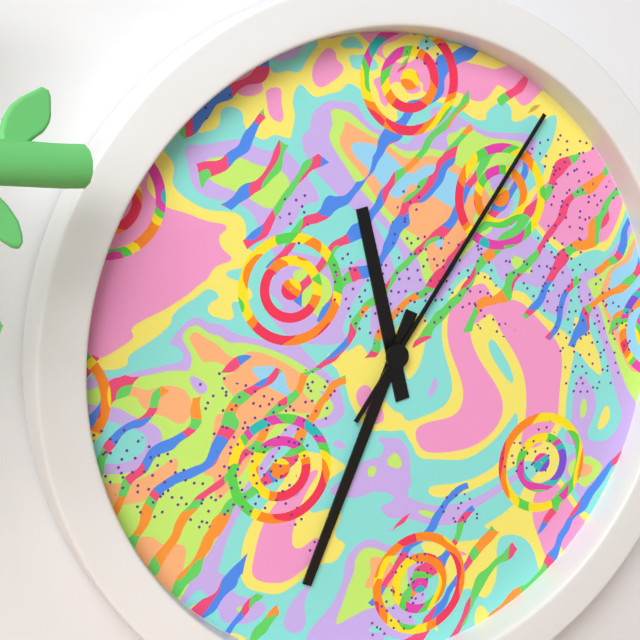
11:34:06
